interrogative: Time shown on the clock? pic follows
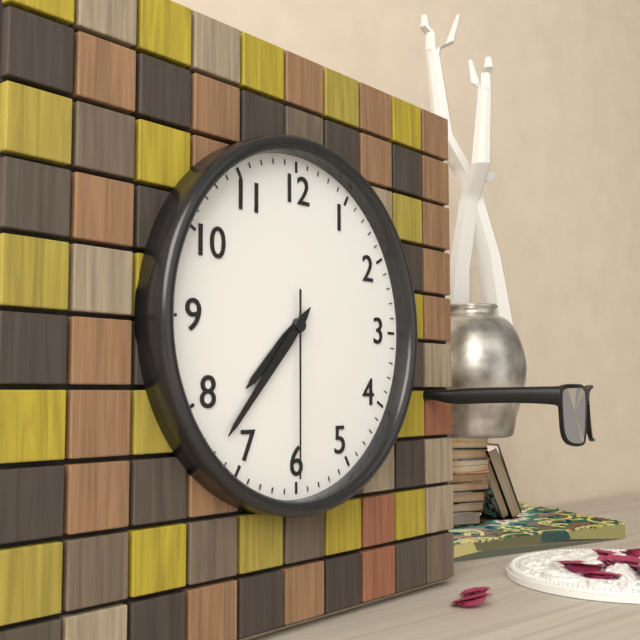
7:37:30
